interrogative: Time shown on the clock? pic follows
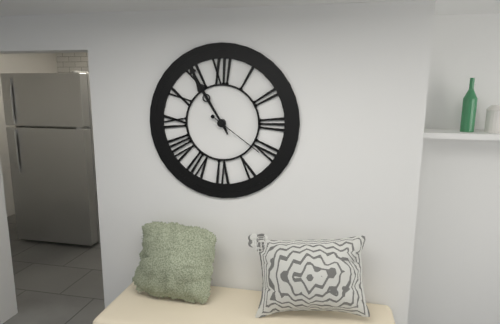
10:55:21
